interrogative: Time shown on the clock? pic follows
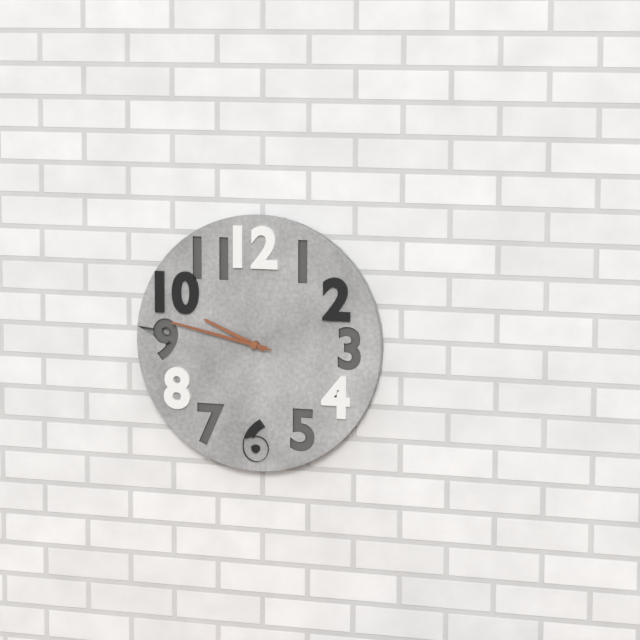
9:47:47
